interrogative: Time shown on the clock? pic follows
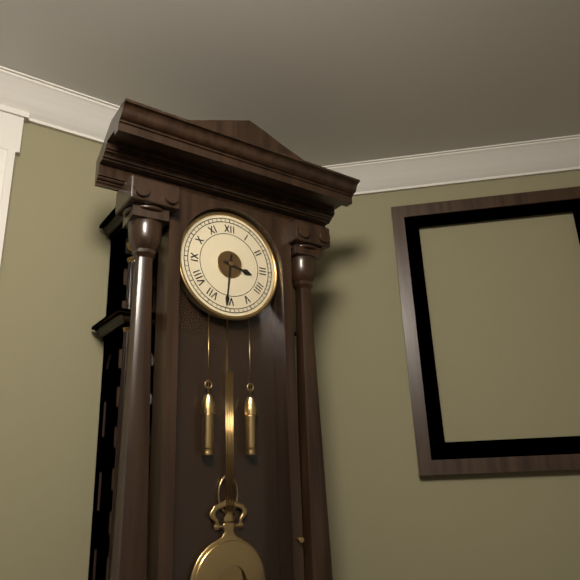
3:31
